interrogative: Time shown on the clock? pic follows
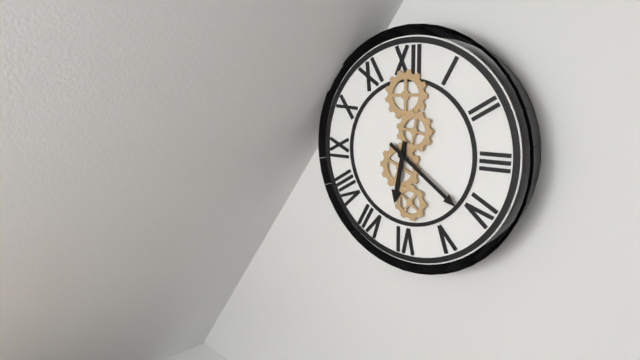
6:21
